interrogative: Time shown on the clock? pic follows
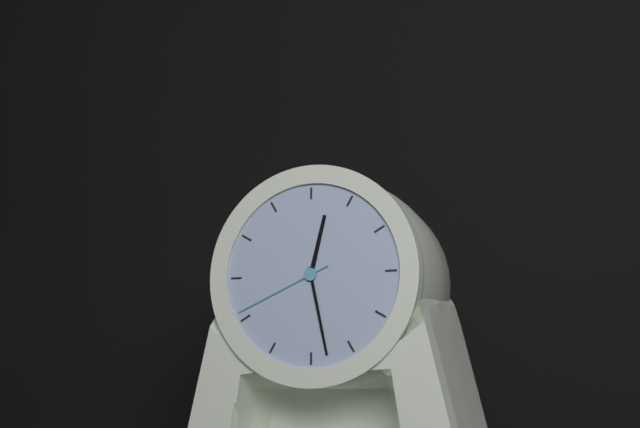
12:28:41
